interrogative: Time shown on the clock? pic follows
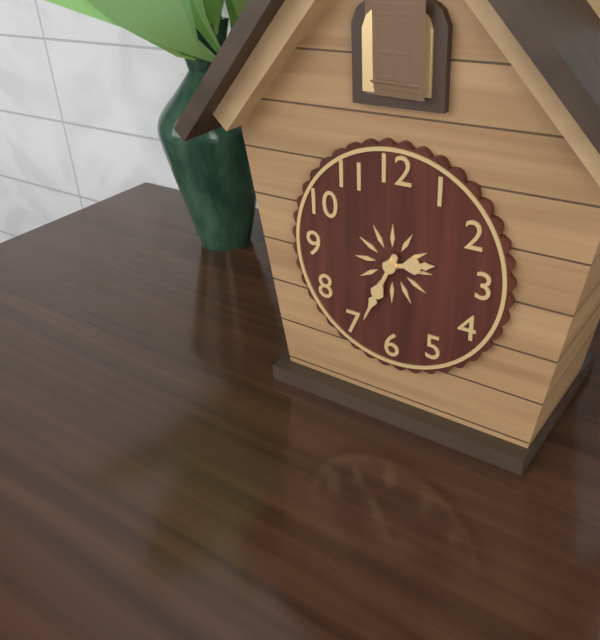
2:34
